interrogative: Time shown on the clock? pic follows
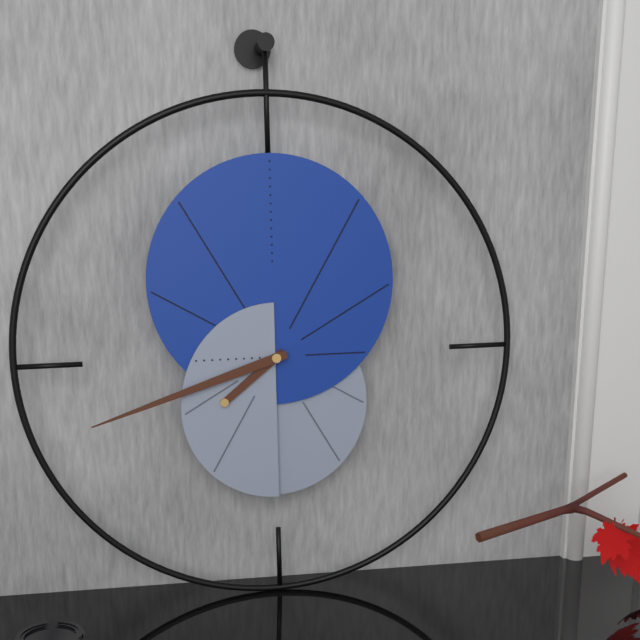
7:42
